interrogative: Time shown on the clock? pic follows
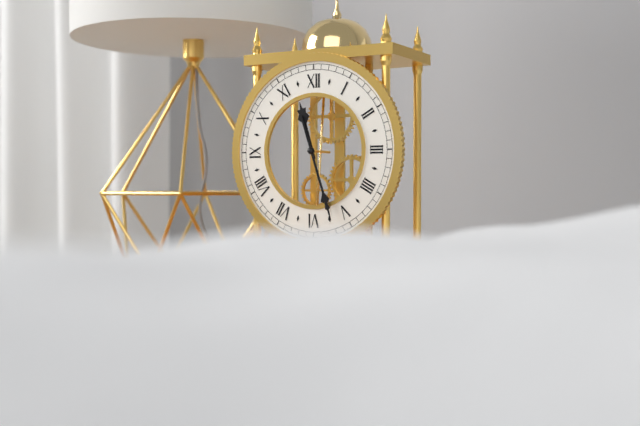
11:27
